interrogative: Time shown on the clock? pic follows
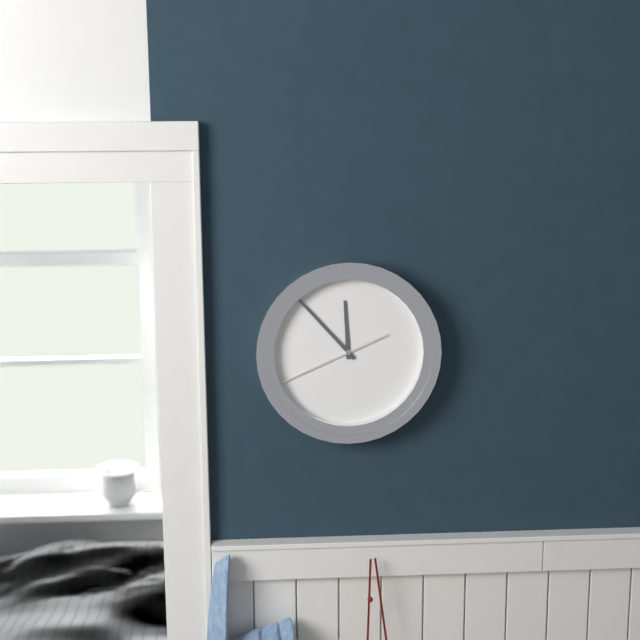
11:53:41
